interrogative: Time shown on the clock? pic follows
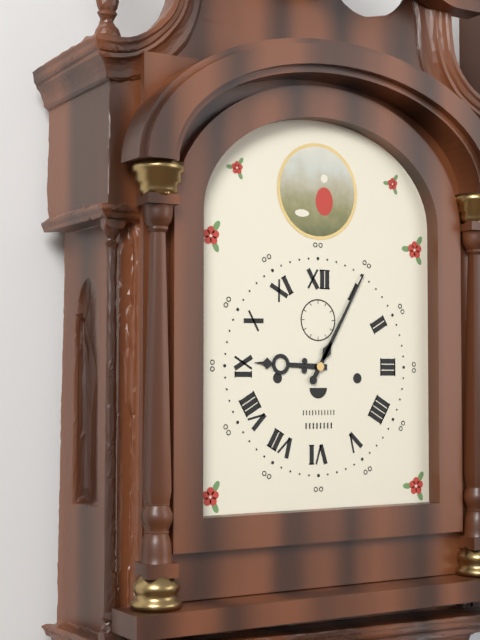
9:05
